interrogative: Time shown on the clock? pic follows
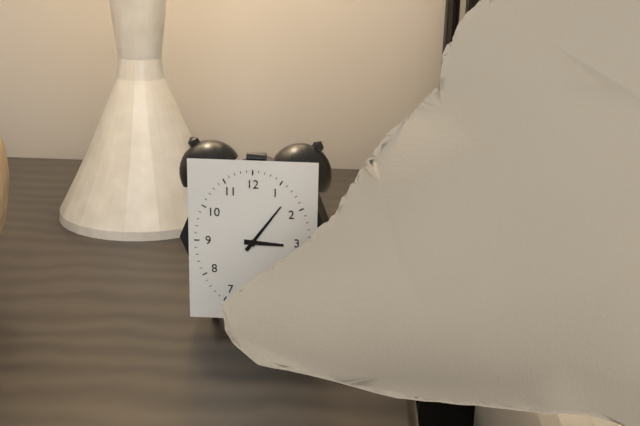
3:06
